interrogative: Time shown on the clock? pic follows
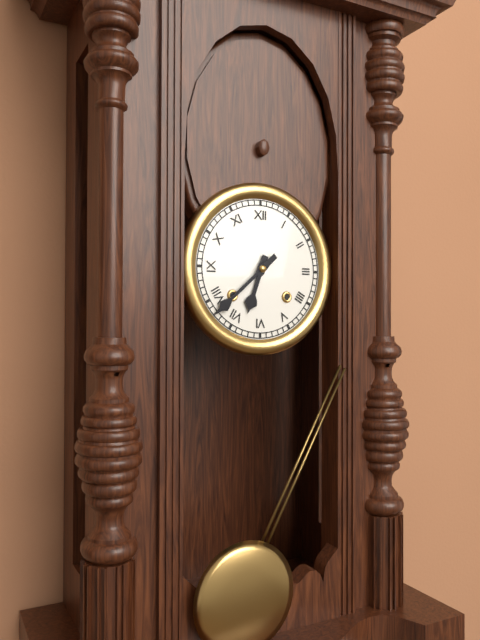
6:38
